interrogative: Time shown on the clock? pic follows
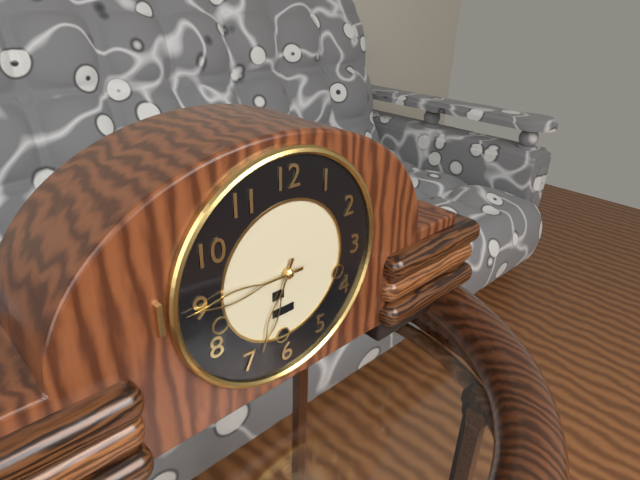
6:45
